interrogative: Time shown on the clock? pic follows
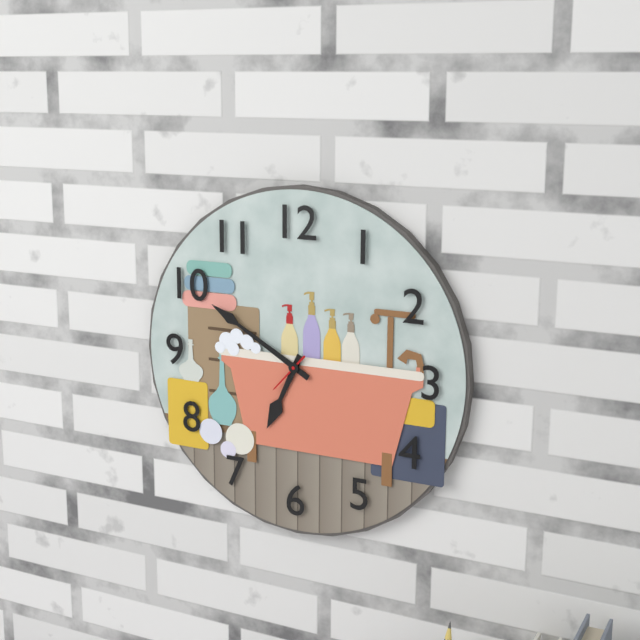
6:50
